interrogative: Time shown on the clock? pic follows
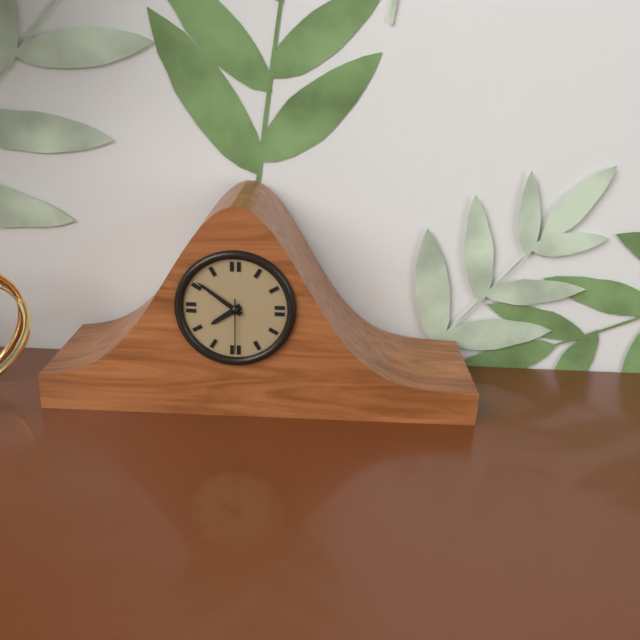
7:51:30
